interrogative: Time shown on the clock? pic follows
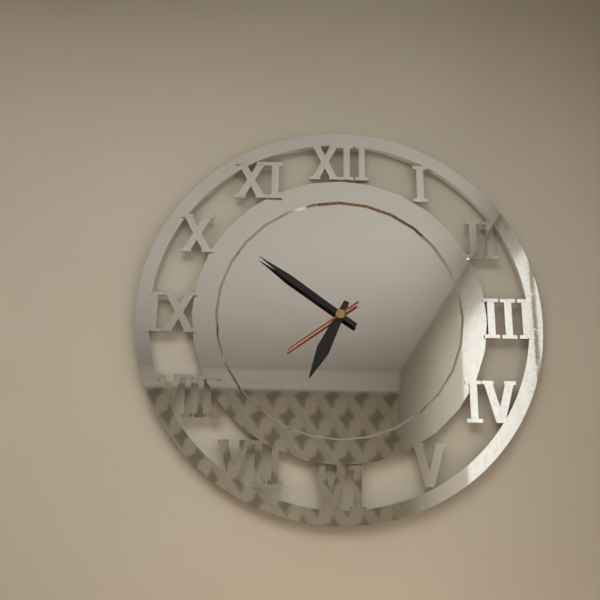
6:51:39
